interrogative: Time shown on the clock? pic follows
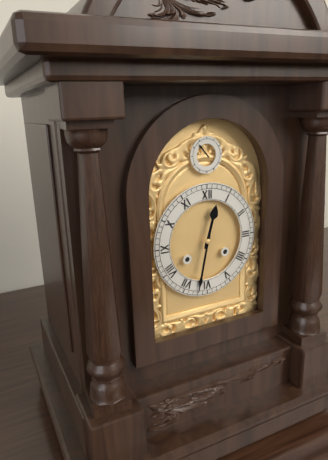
12:32
